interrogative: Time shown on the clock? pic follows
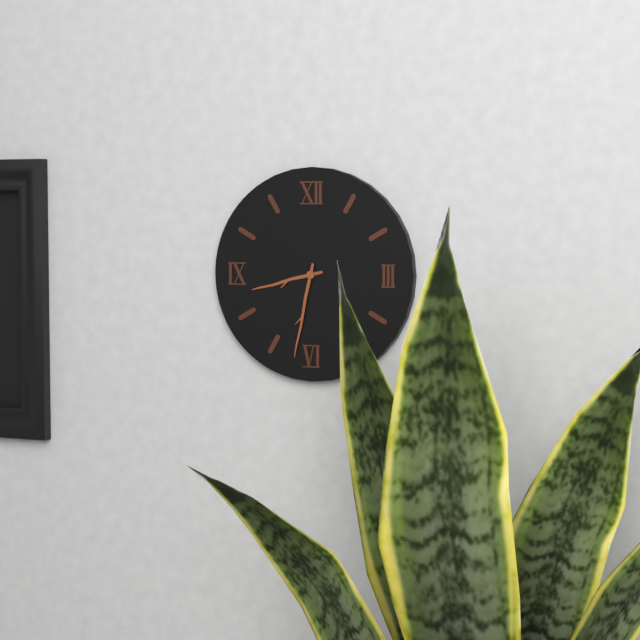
8:32
